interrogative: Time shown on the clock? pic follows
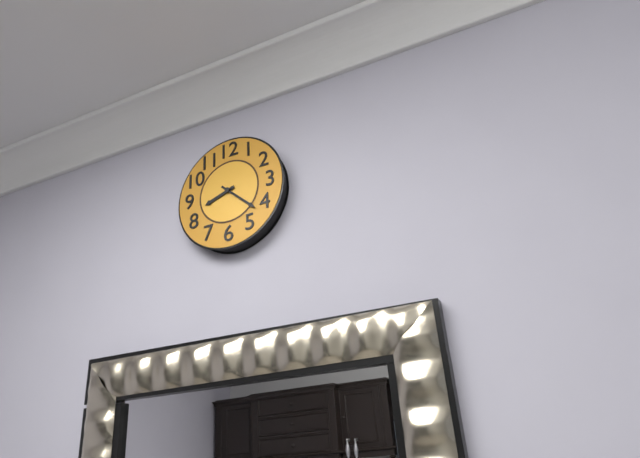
8:22
